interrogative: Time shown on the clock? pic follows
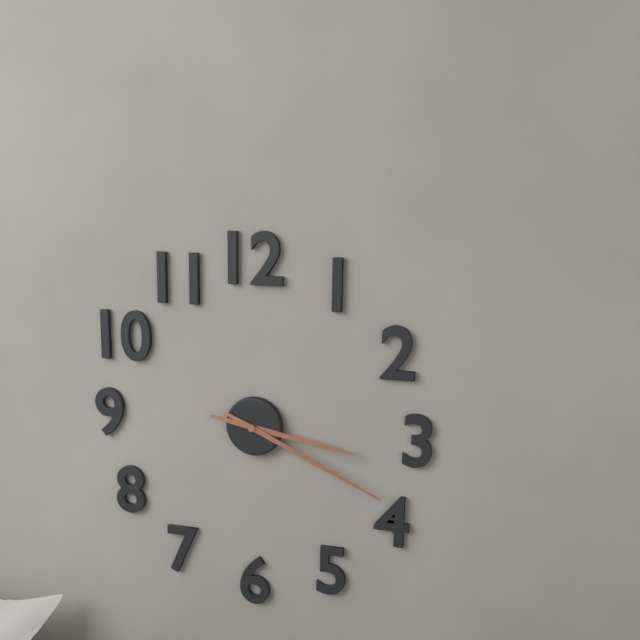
3:19
